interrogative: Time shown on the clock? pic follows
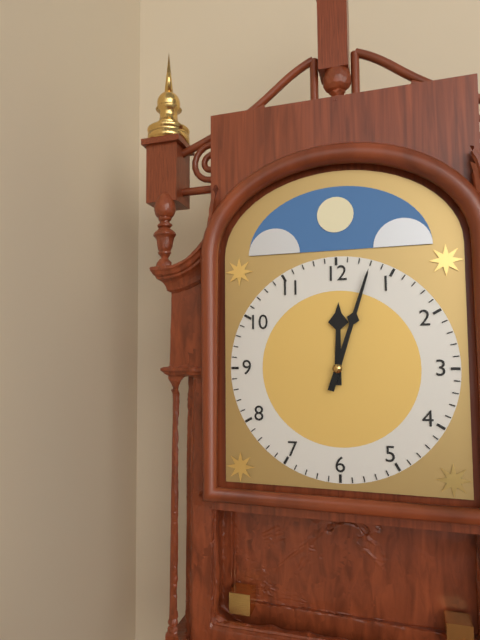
12:03
